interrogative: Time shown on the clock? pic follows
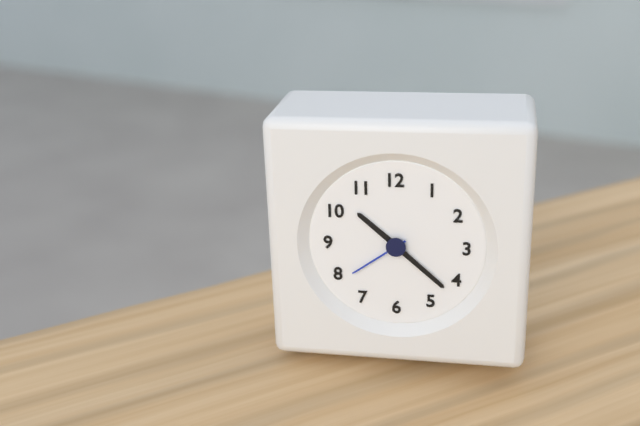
10:22:39
